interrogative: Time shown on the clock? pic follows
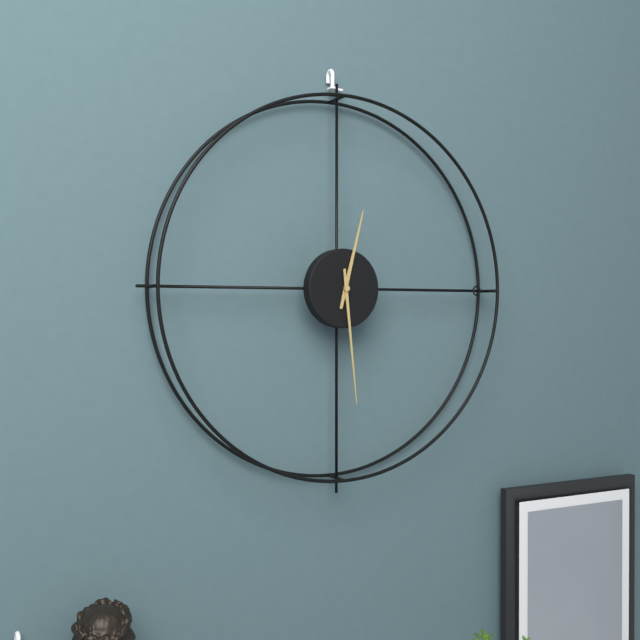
12:29
